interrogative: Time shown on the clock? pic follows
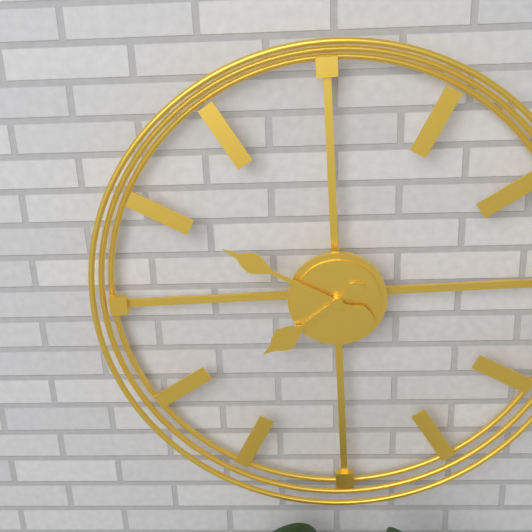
7:50
